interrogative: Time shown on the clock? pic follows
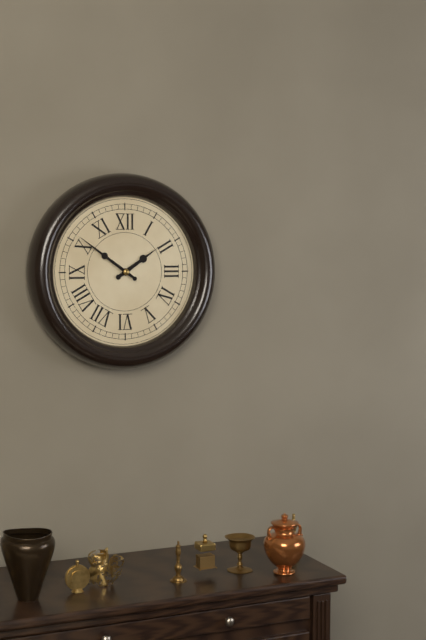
1:51
